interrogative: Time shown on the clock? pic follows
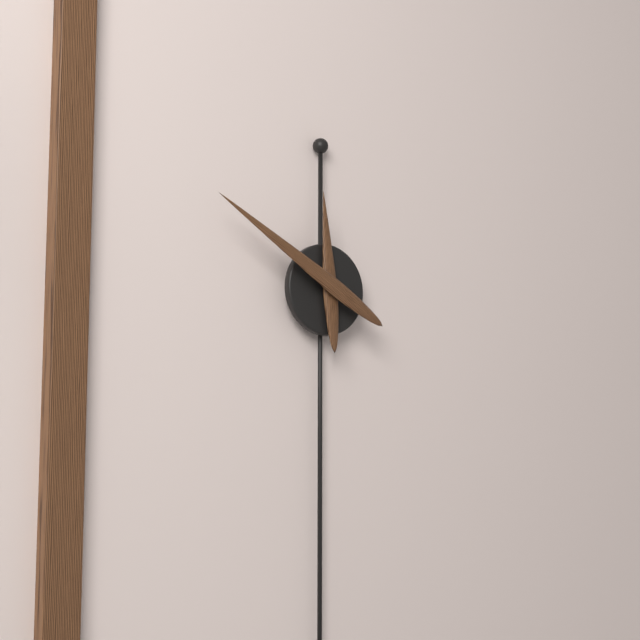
11:50
